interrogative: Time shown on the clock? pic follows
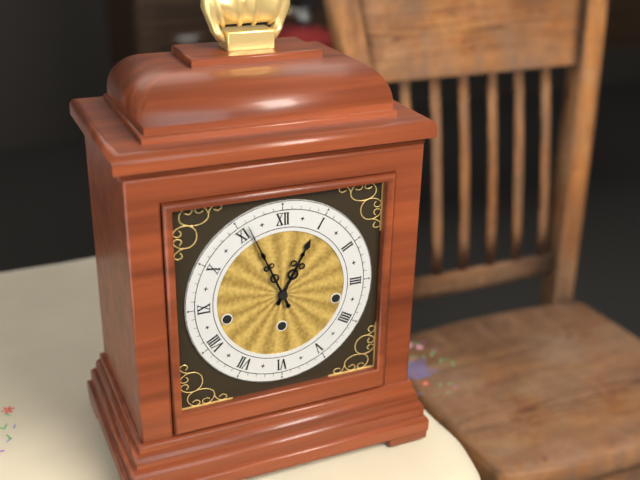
12:56
